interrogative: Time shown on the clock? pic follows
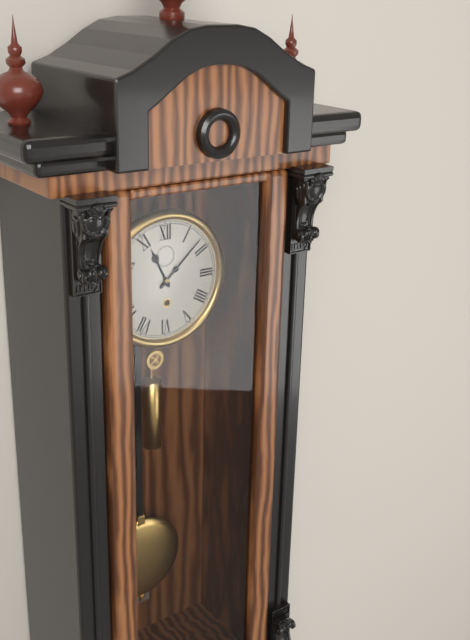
11:08
